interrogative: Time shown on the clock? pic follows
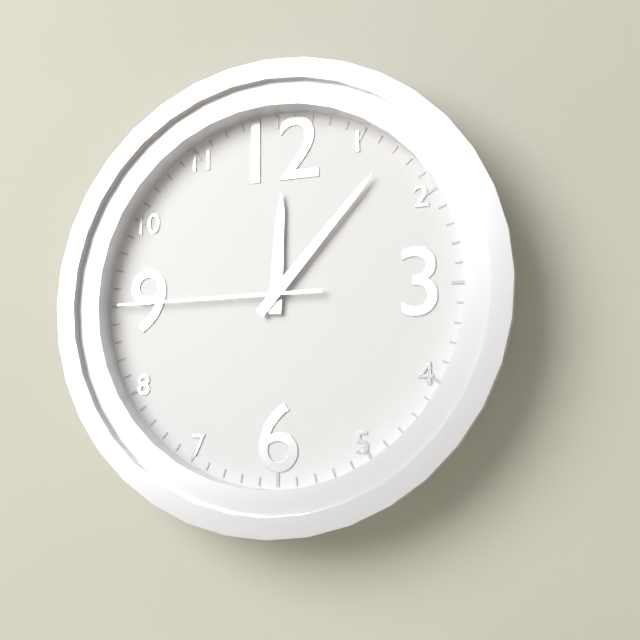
12:07:45
